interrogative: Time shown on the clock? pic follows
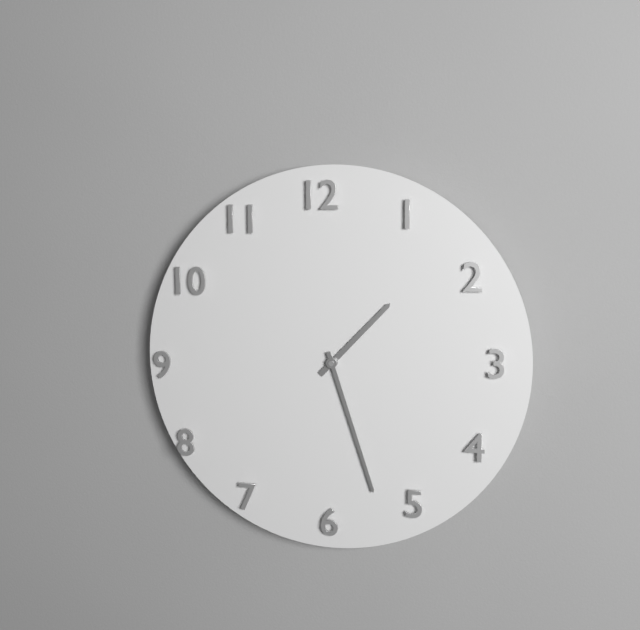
1:27
